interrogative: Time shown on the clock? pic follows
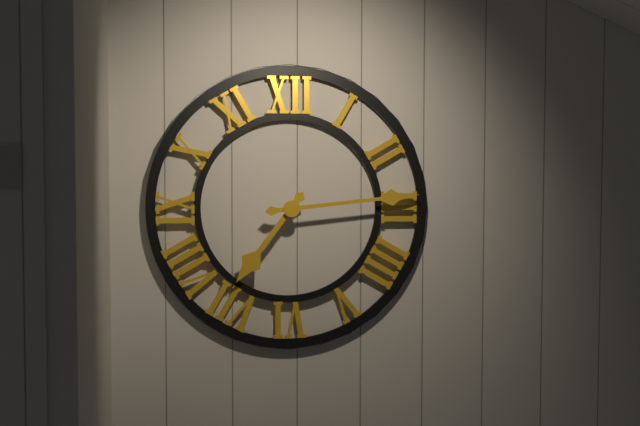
7:14
